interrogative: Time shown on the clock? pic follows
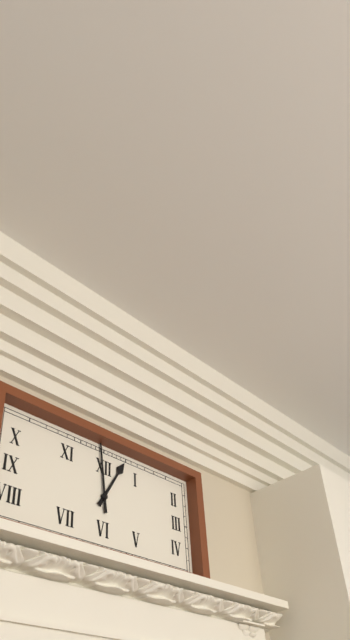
12:59
